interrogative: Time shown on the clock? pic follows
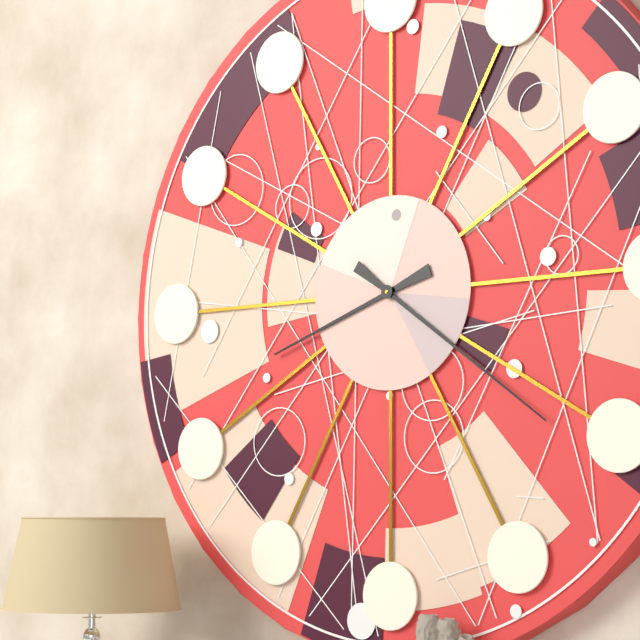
8:21
